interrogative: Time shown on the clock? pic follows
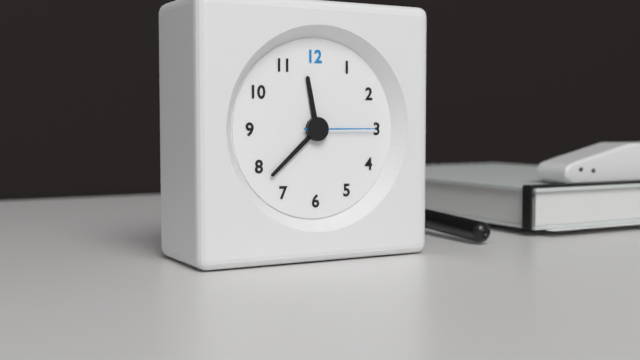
11:38:15
